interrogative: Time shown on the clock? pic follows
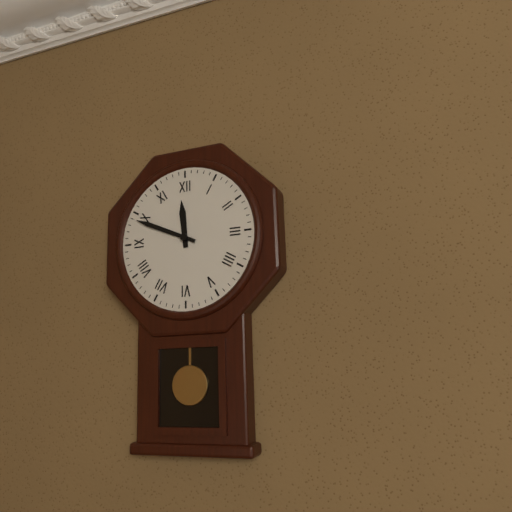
11:49
